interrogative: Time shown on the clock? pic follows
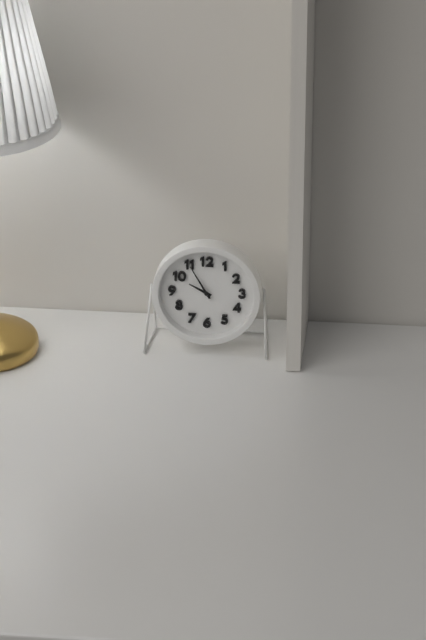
9:55
